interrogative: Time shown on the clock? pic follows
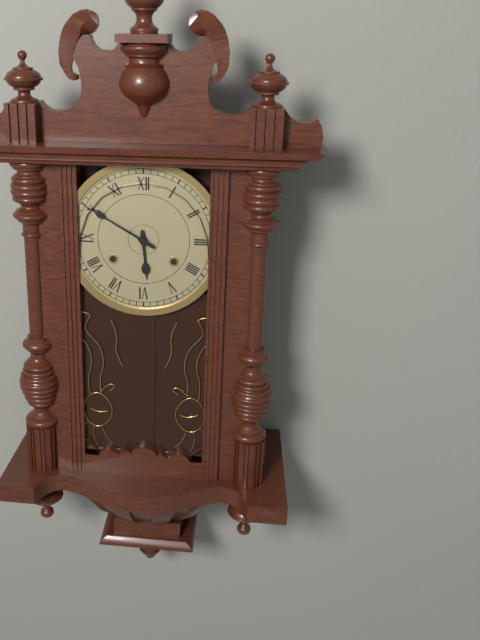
5:50
